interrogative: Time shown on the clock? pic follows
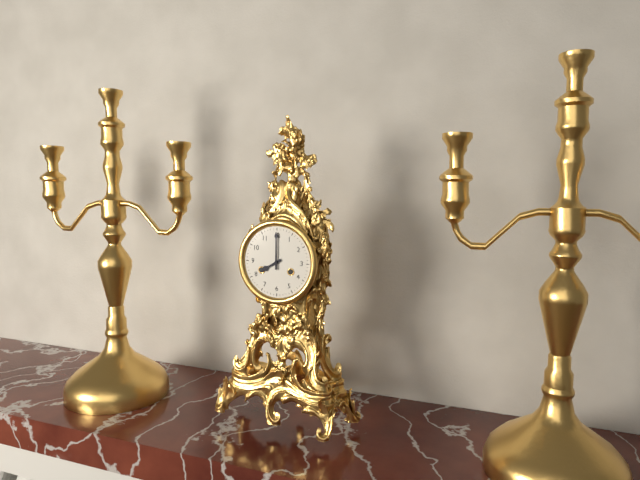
8:00
